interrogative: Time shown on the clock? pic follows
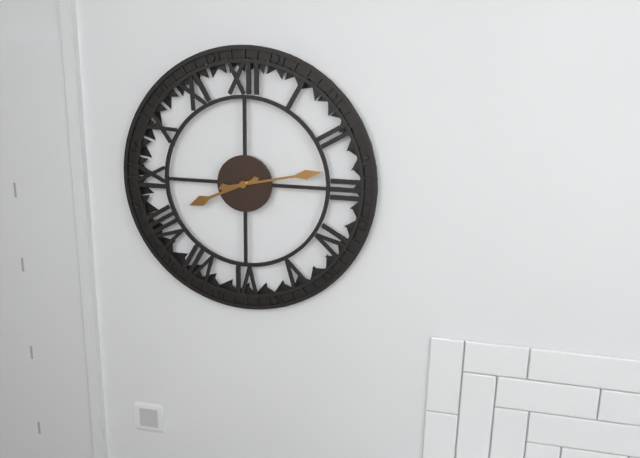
8:13
